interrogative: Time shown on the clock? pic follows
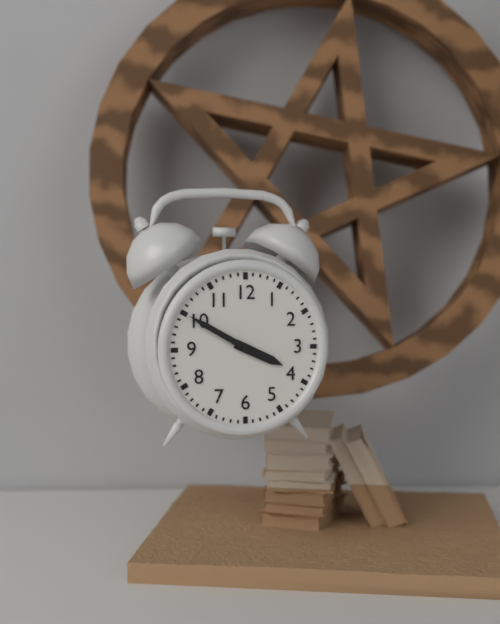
3:50
